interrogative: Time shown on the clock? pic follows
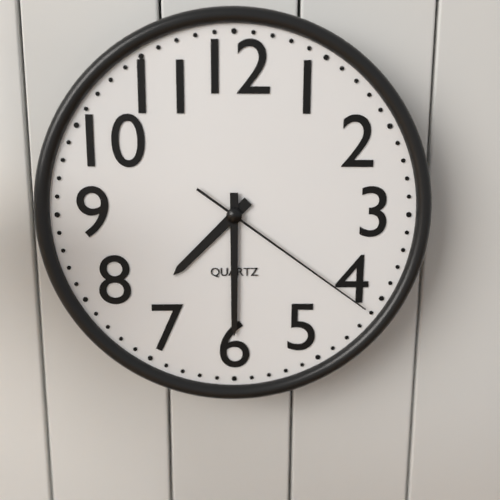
7:30:21
